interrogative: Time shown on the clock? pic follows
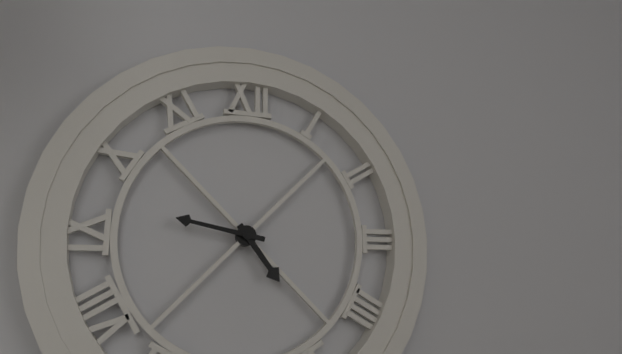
4:47
